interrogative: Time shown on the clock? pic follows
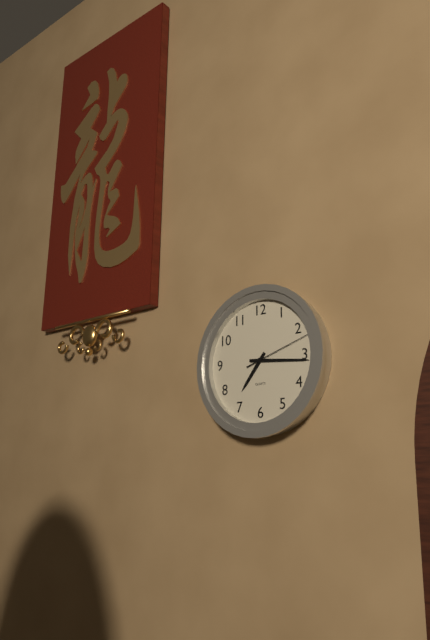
7:16:12
